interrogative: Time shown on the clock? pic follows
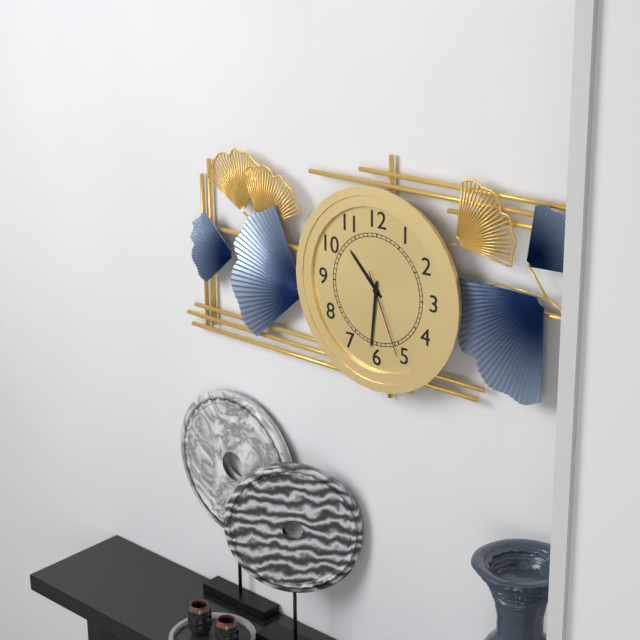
10:31:26
